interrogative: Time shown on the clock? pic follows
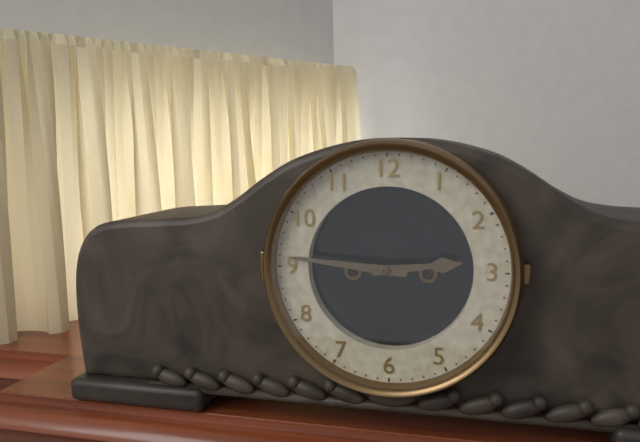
2:46
